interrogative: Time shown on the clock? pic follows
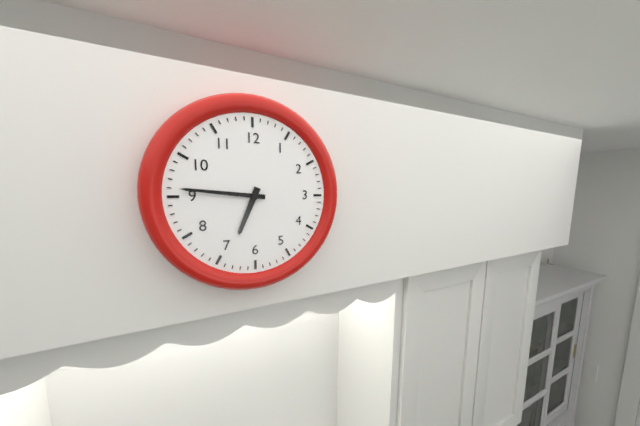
6:46
